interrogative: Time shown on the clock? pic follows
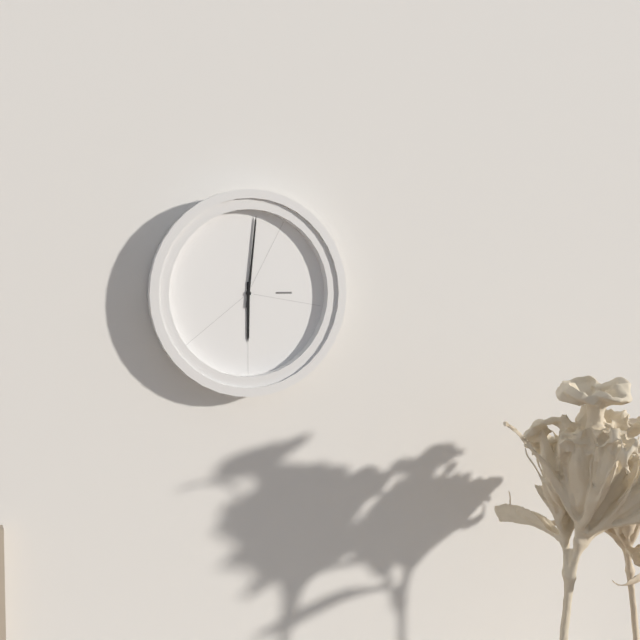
6:01
